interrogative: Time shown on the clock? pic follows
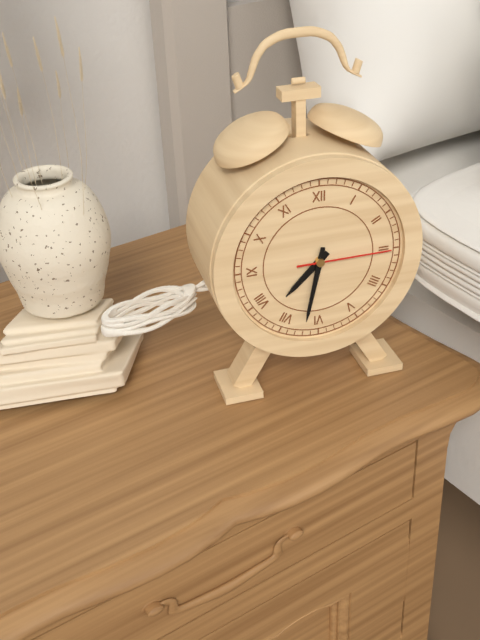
7:32:15
